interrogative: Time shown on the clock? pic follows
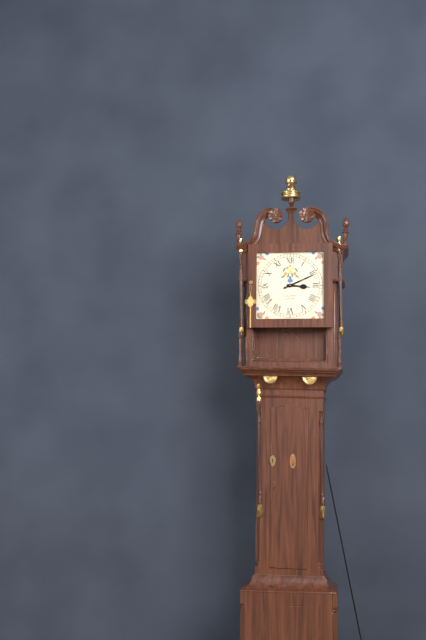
3:11
